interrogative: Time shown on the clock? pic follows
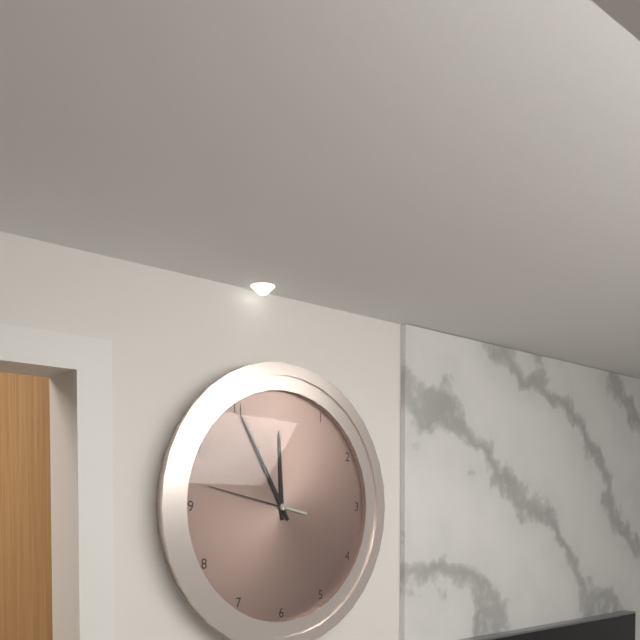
11:55:47
